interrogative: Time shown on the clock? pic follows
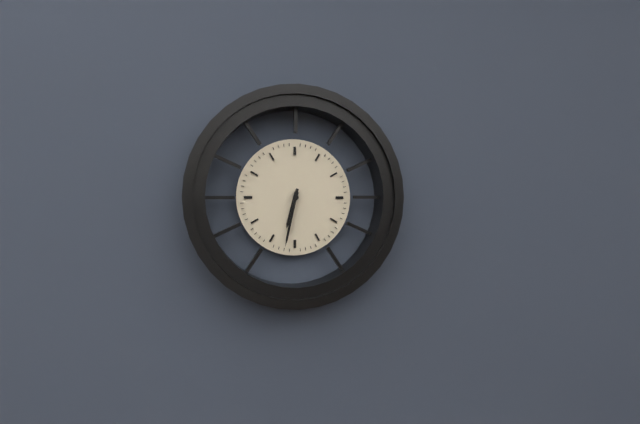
6:32
